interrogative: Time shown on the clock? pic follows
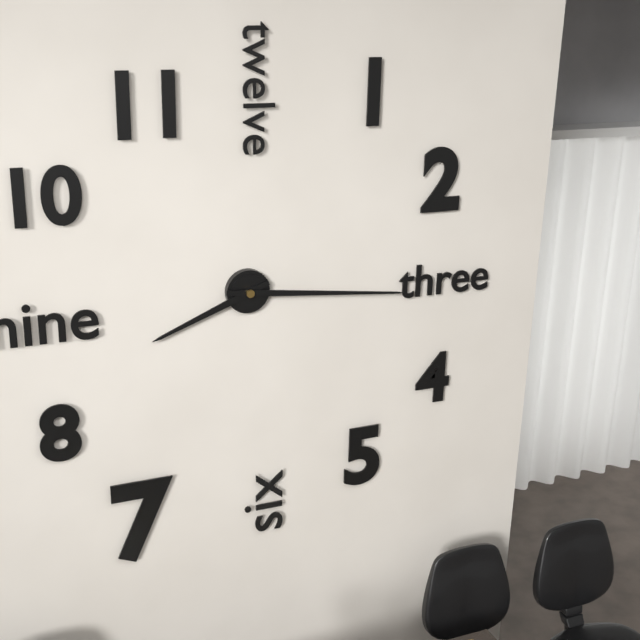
8:16
